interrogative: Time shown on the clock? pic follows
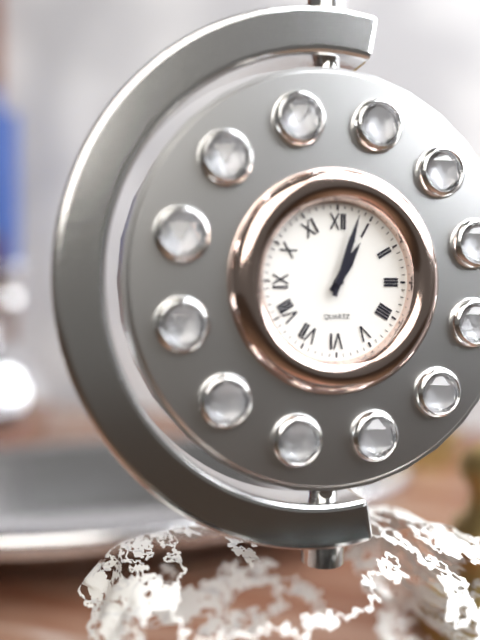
1:03
